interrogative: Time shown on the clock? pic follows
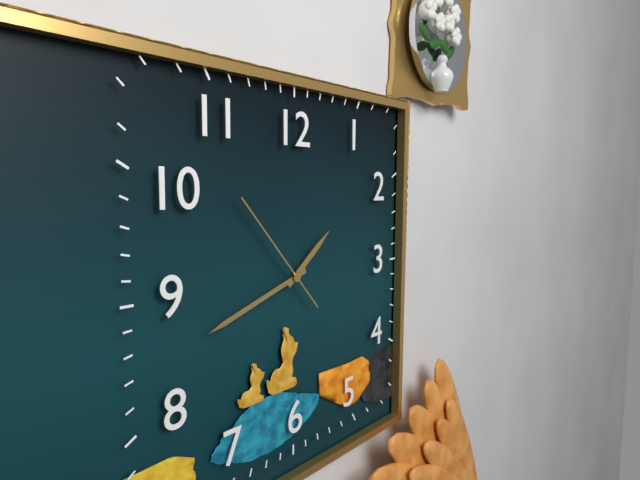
1:42:53
